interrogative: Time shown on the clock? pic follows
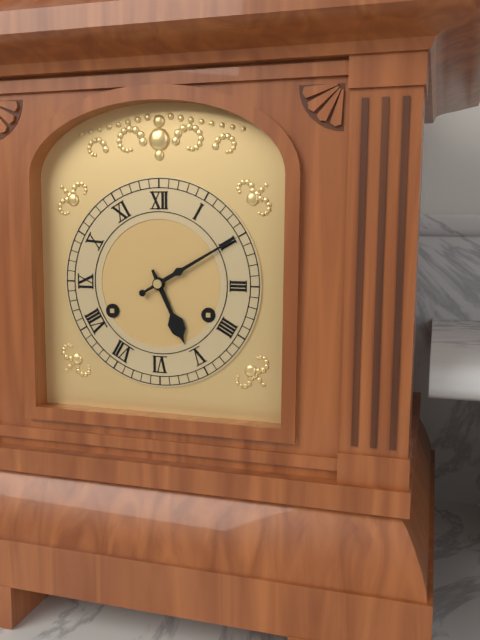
5:10
